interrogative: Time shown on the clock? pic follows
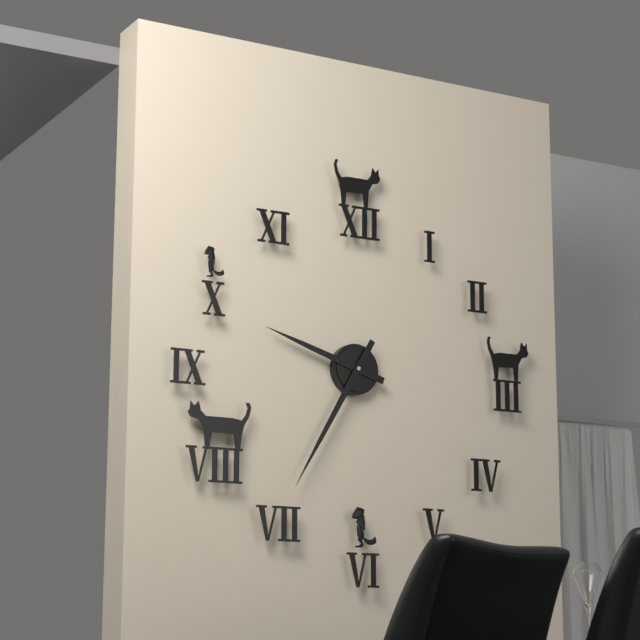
9:35
